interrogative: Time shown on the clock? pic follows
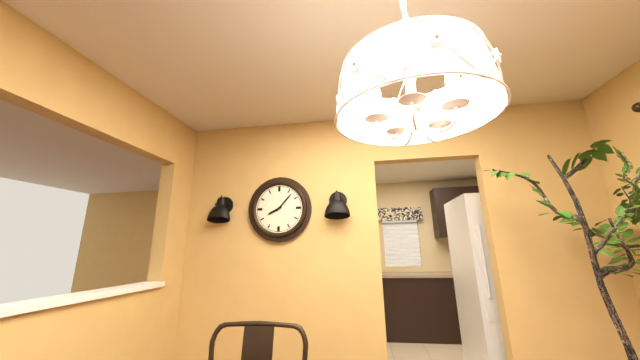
8:07
